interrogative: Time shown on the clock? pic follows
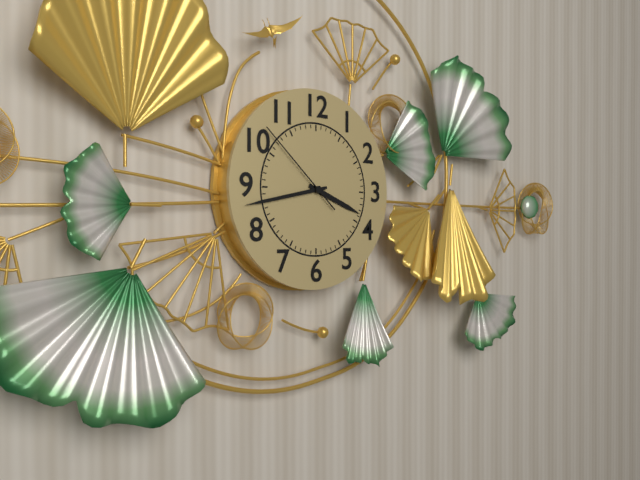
3:43:52
